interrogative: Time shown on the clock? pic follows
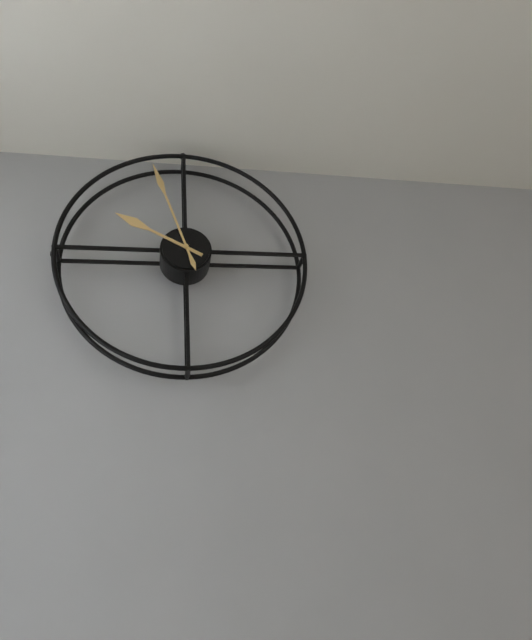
9:57
